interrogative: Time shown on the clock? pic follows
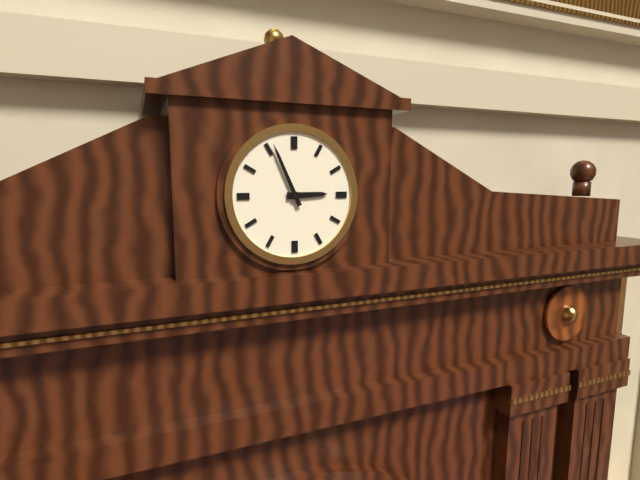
2:56
